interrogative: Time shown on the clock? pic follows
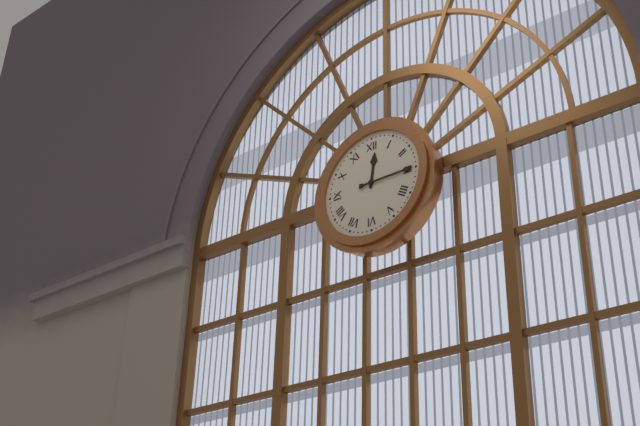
12:15
